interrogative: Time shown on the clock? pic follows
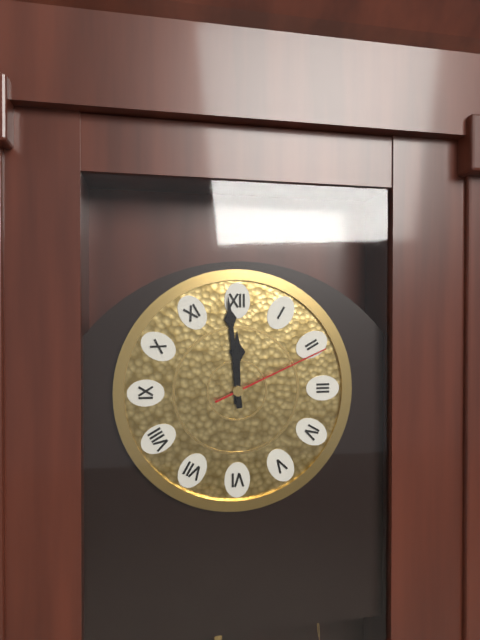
11:59:11
